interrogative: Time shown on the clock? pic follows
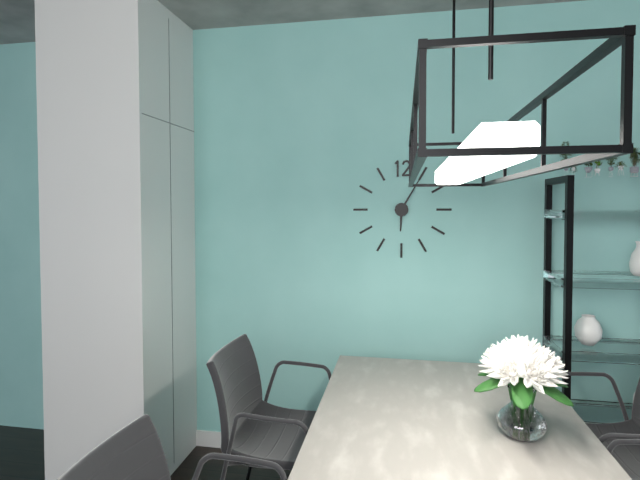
6:05
